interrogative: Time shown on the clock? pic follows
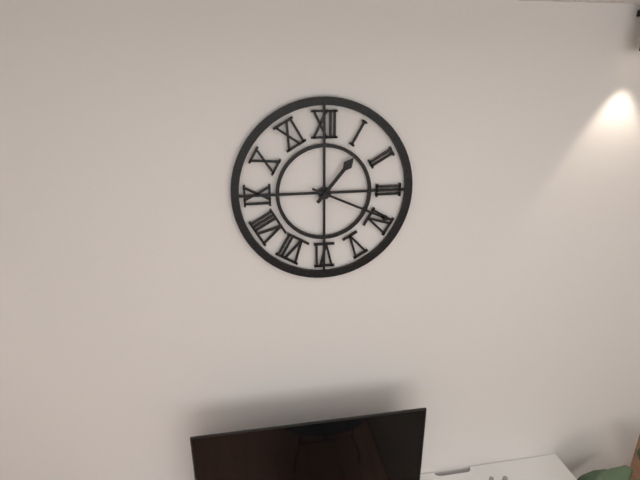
1:19
